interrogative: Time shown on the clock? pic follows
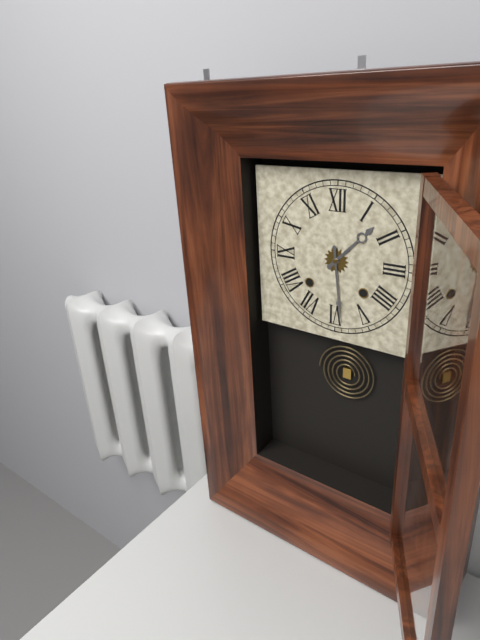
1:29
